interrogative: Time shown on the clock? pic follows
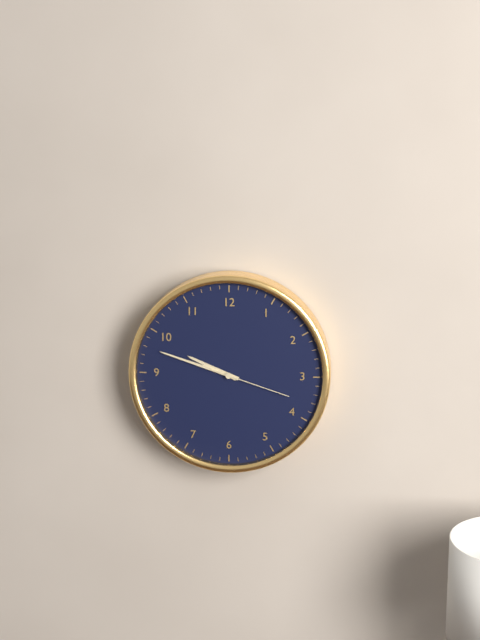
9:48:18
